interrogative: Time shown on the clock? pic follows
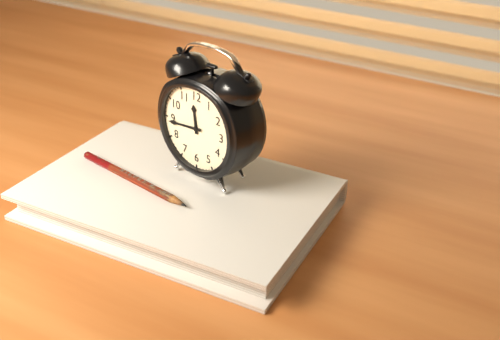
11:44
